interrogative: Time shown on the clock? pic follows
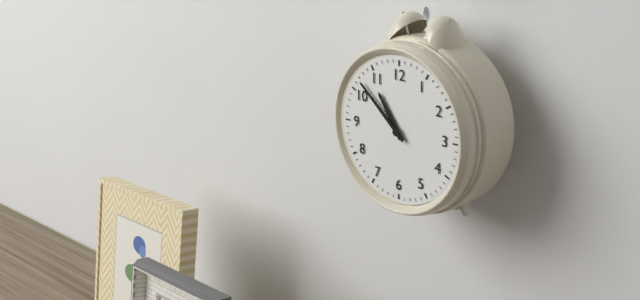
10:52
